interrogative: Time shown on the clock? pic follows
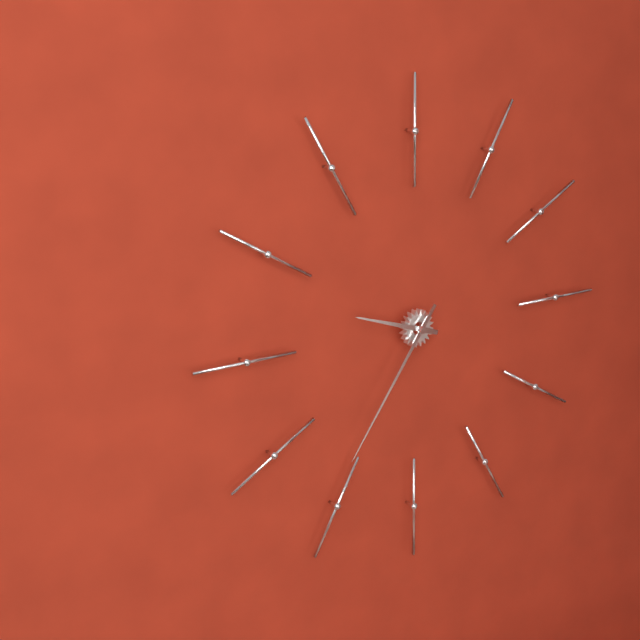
9:36
